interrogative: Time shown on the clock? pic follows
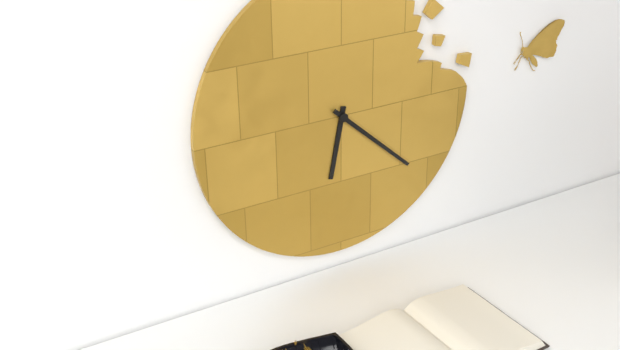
6:22
